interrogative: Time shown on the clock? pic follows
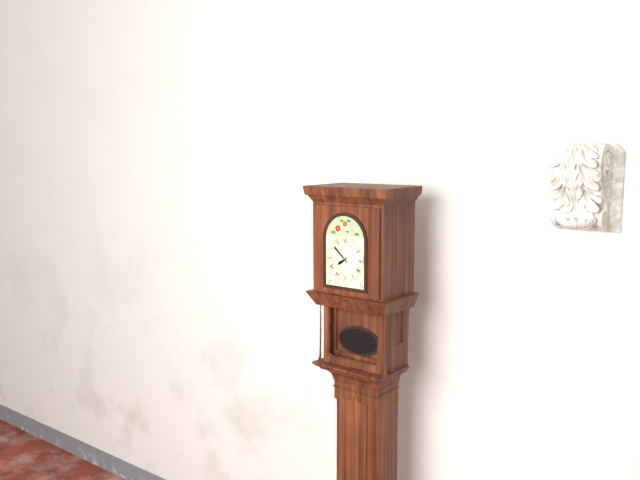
7:52
